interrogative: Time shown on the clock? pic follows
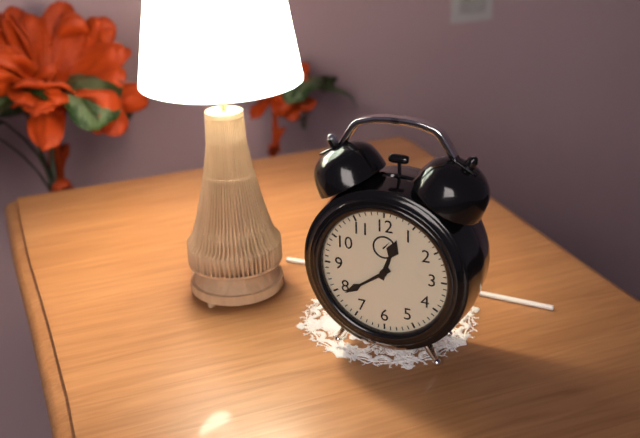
12:39
